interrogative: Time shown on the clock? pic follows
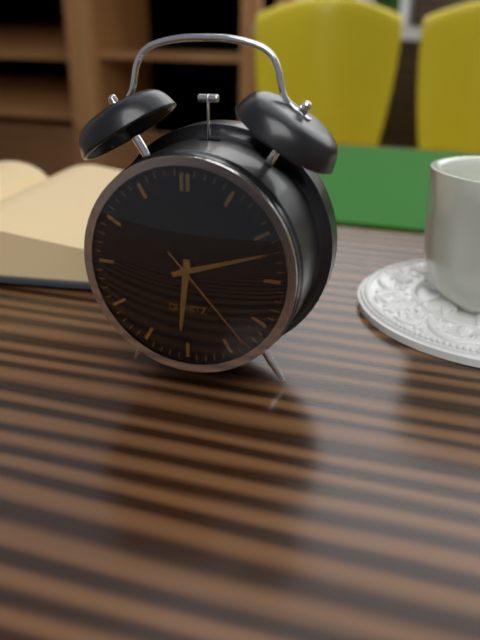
6:12:23
